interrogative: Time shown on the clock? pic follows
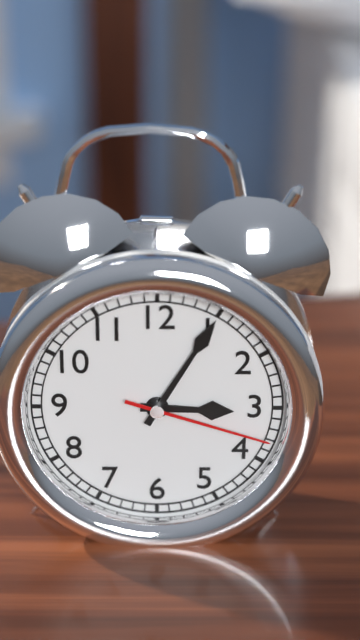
3:05:18
